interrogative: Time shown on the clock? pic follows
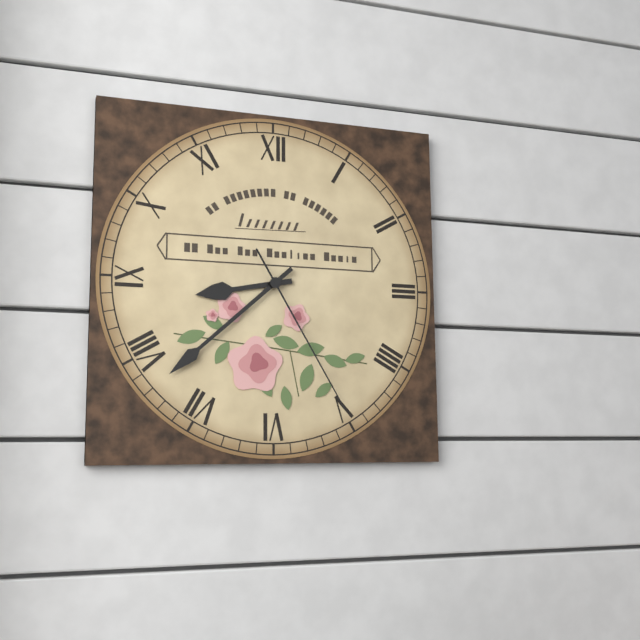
8:38:25
